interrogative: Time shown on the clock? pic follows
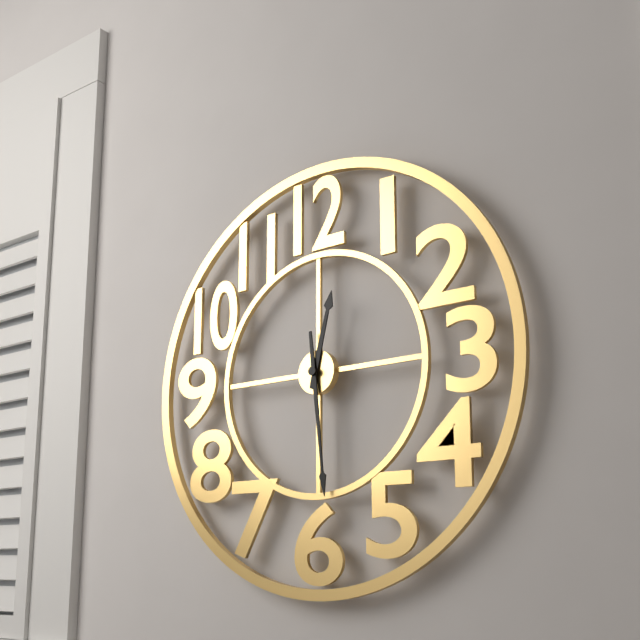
12:29
